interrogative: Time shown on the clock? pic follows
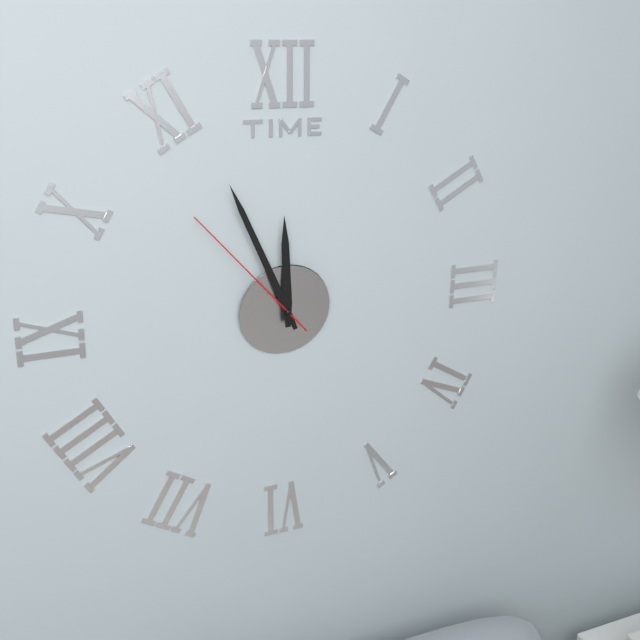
11:56:53
